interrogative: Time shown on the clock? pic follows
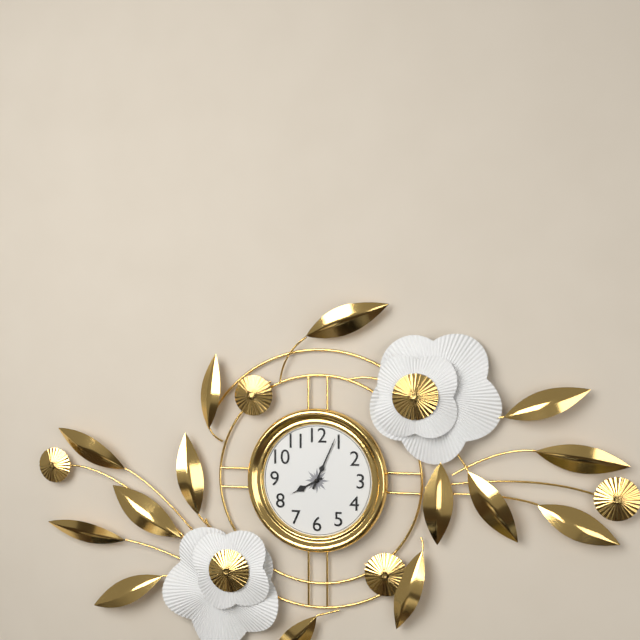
8:04
